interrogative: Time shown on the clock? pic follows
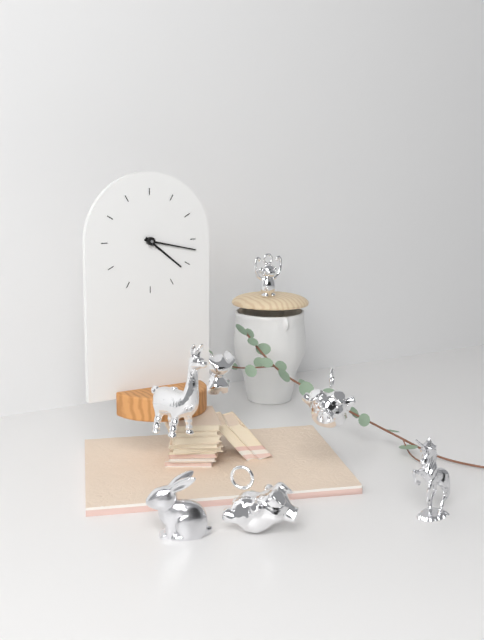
4:17
